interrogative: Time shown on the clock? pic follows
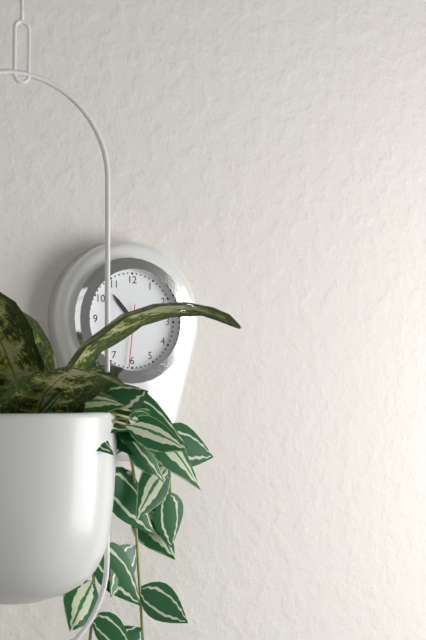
10:38:31
